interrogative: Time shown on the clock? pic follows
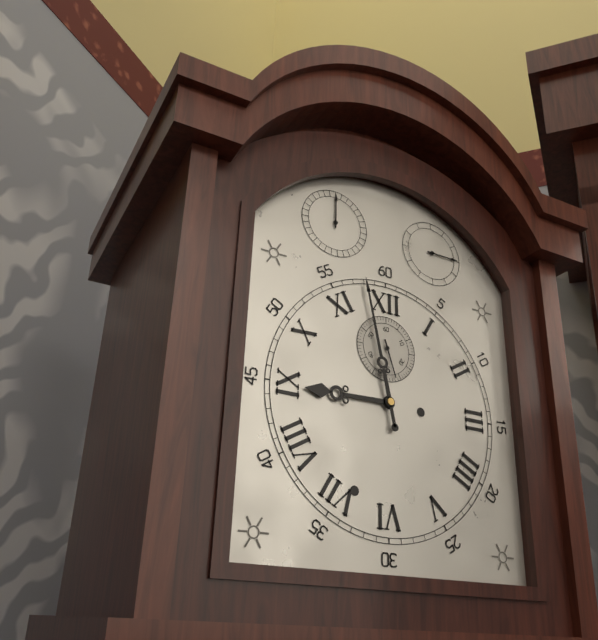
8:58
